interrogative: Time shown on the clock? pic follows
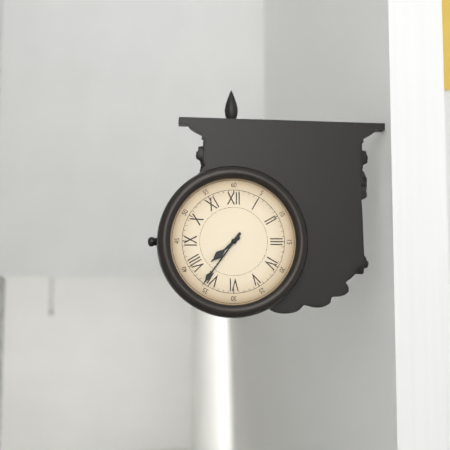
7:36
